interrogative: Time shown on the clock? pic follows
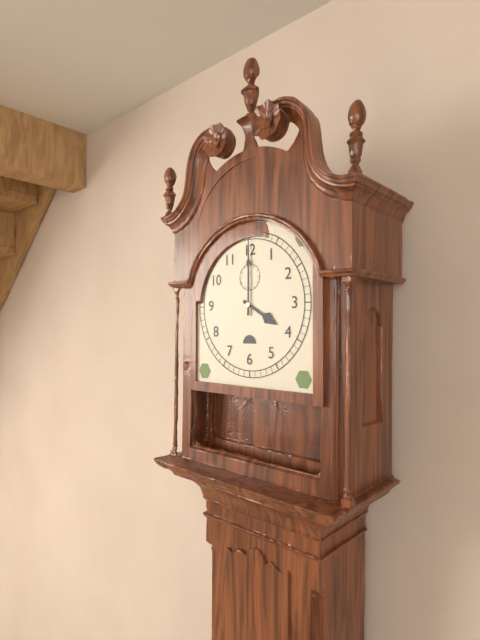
4:00
